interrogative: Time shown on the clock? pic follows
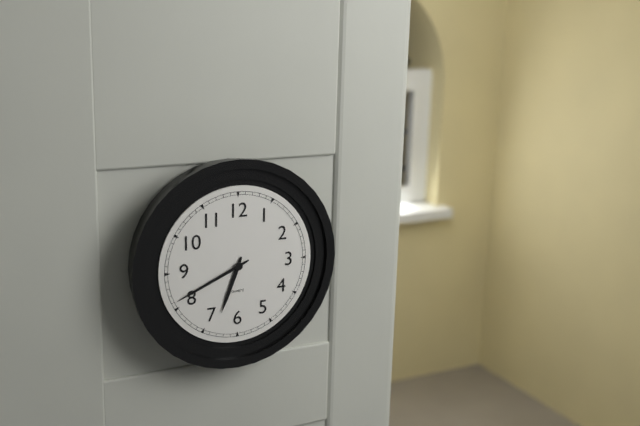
6:41
